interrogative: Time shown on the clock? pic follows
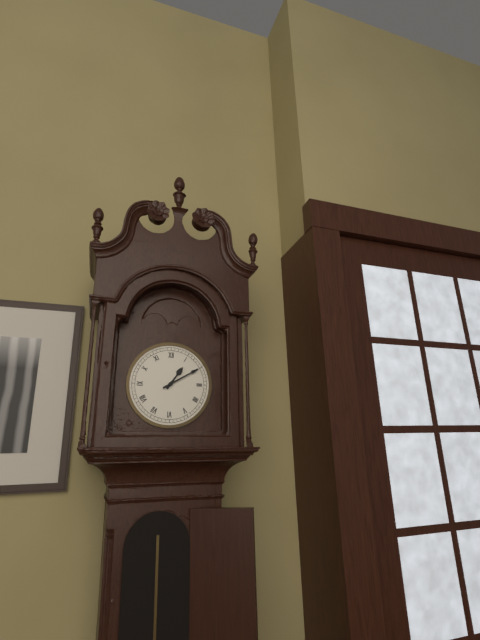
1:10
